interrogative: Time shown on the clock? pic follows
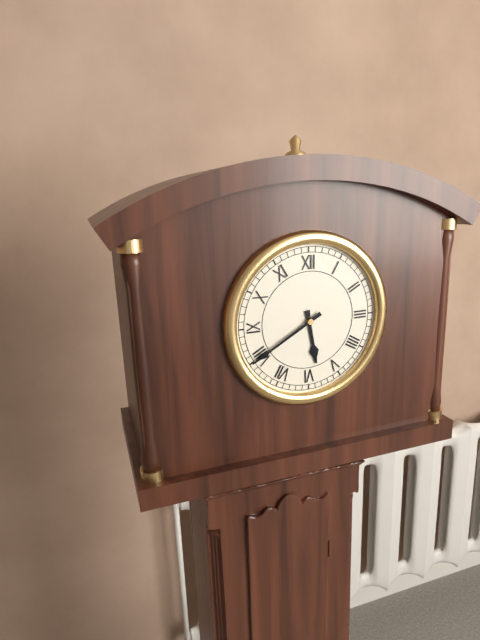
5:40
